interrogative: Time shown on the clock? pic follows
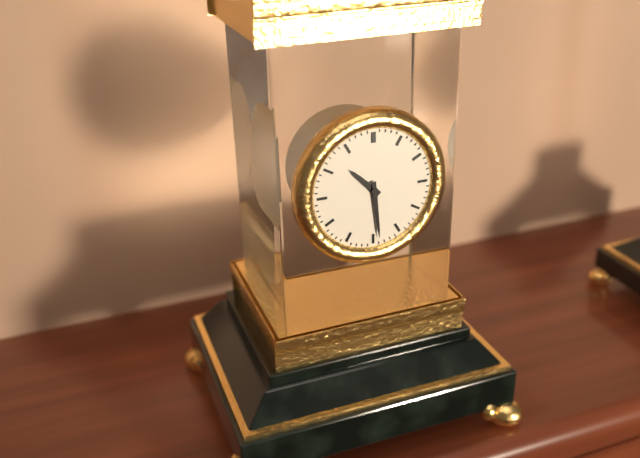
10:29
